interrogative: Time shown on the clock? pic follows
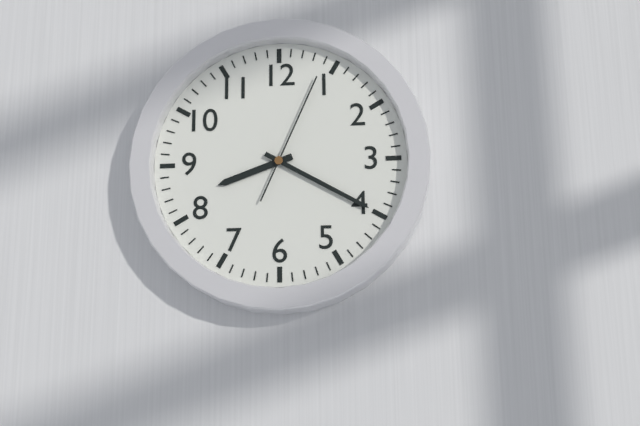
8:20:04
